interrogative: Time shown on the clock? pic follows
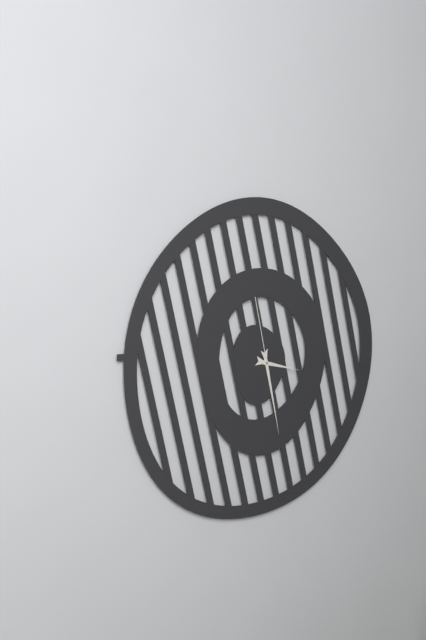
3:28:58
